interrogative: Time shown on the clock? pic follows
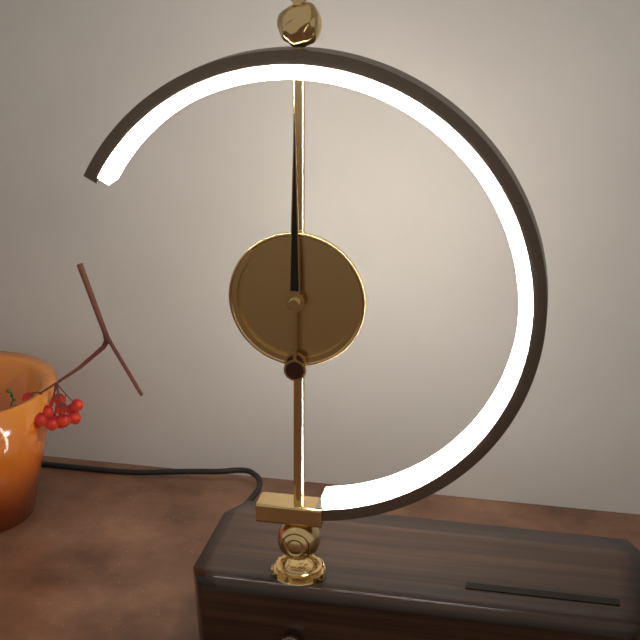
12:00
